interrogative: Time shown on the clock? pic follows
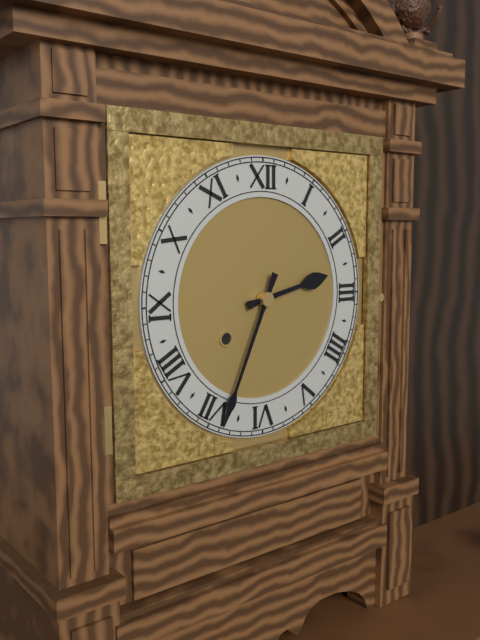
2:34
